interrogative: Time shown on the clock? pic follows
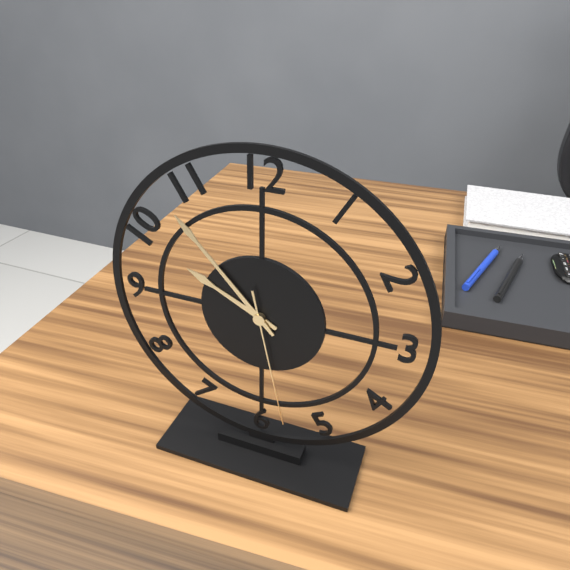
9:53:28
